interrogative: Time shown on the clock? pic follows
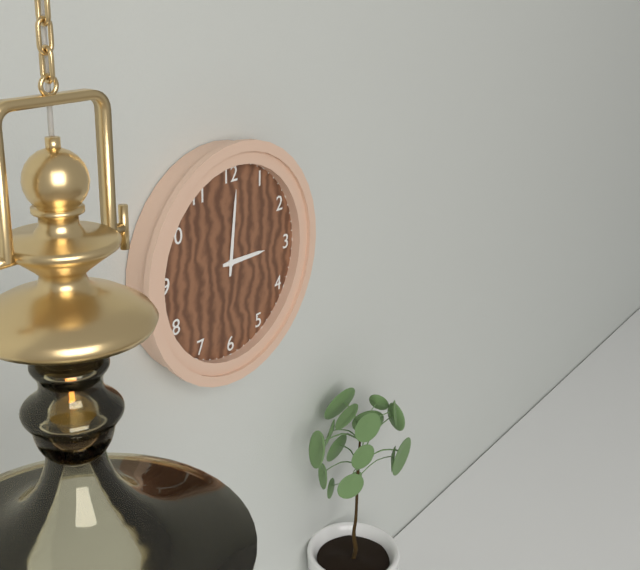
3:01
